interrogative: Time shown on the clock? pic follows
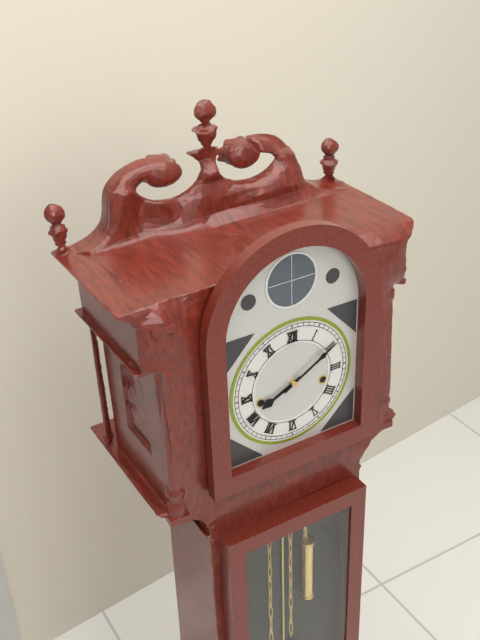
8:10
